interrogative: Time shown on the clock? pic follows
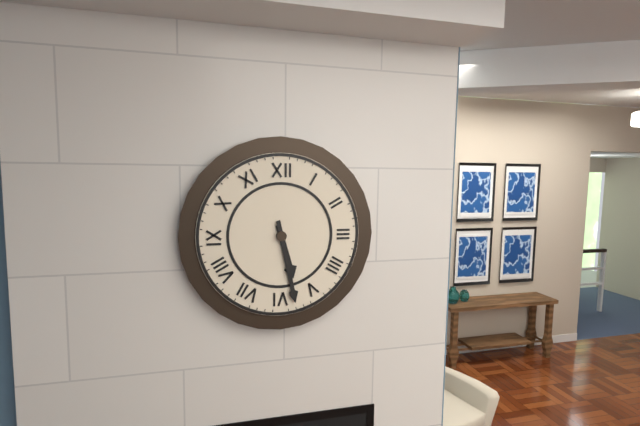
5:28
